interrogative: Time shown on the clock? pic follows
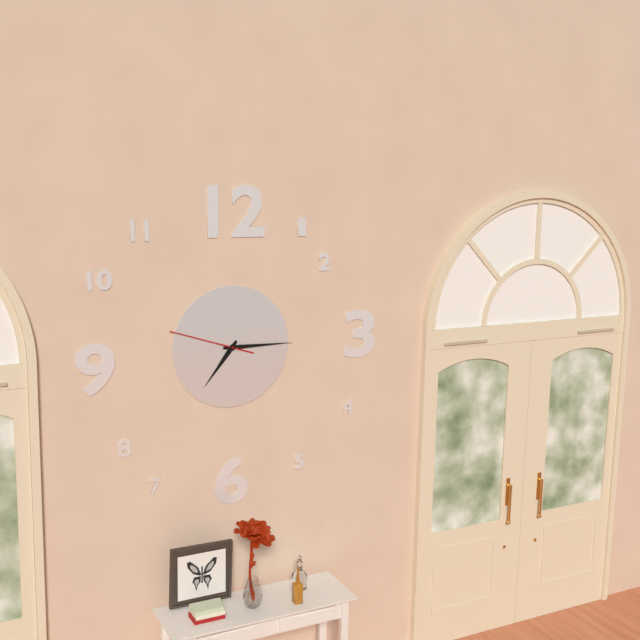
7:15:48
